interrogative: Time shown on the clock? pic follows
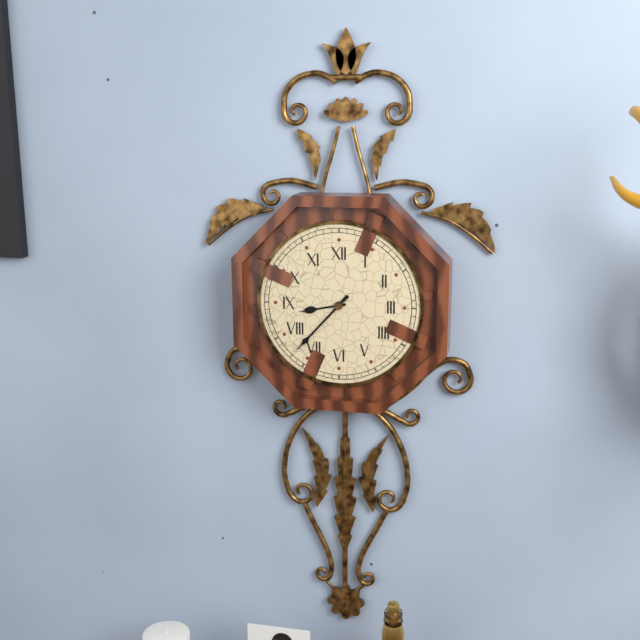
8:37
